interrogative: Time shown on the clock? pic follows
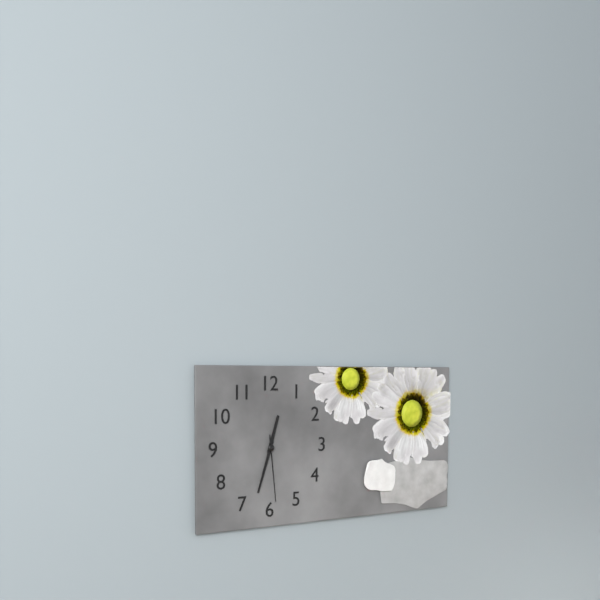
12:33:29
